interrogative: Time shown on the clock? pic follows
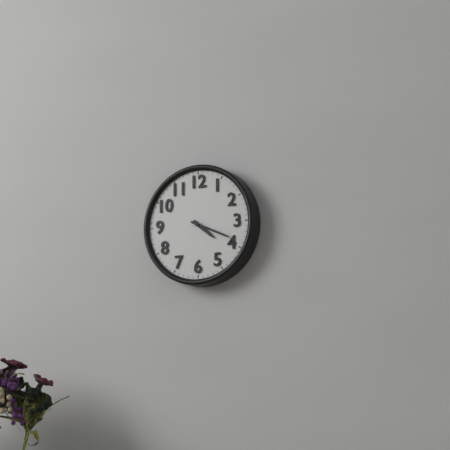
4:19
